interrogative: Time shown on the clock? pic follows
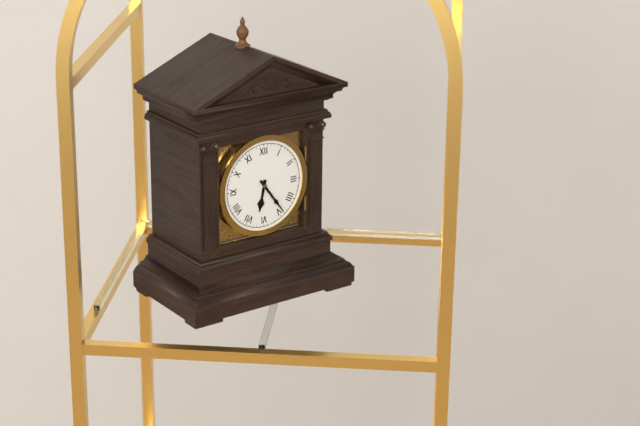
6:24
